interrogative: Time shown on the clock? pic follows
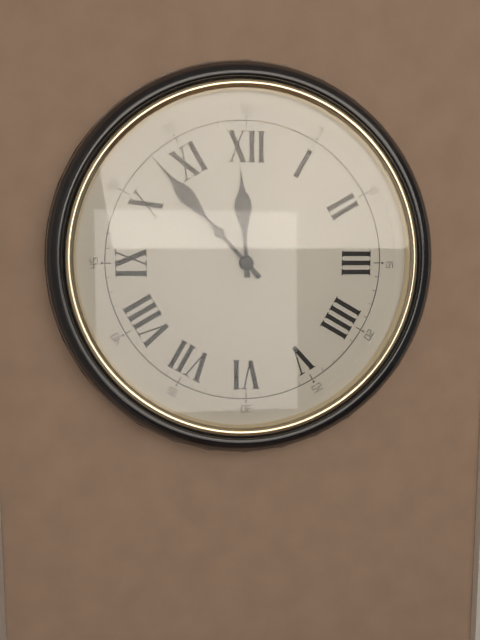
11:53
